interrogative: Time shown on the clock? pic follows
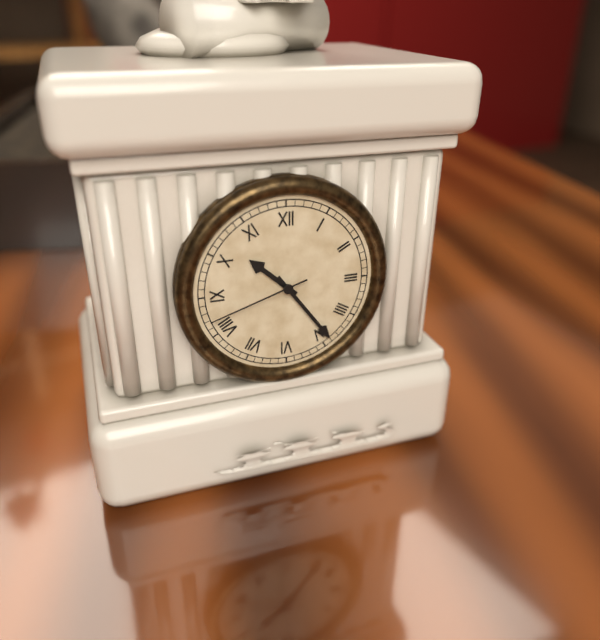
10:24:42
